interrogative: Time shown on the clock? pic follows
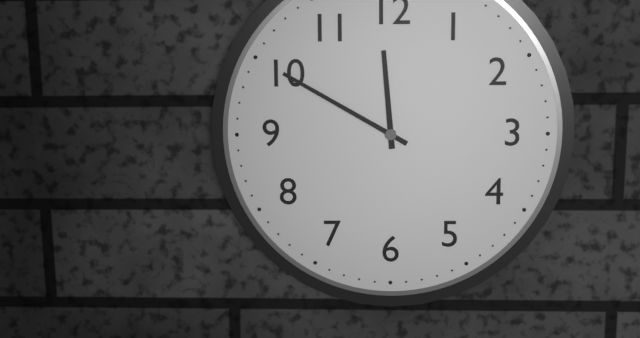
11:50
